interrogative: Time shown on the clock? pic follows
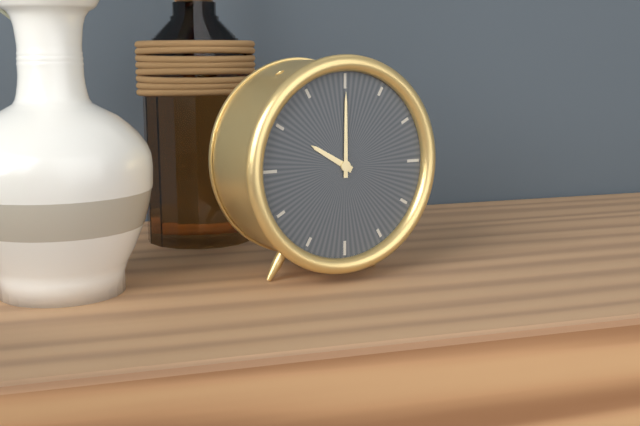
10:00
